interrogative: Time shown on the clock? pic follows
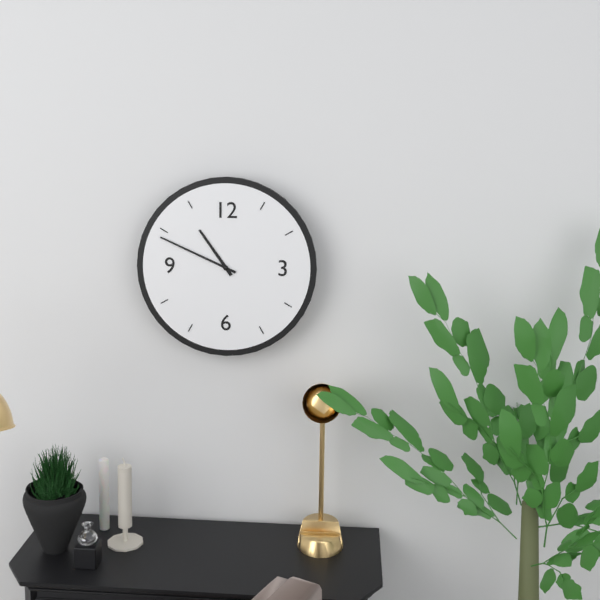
10:49
